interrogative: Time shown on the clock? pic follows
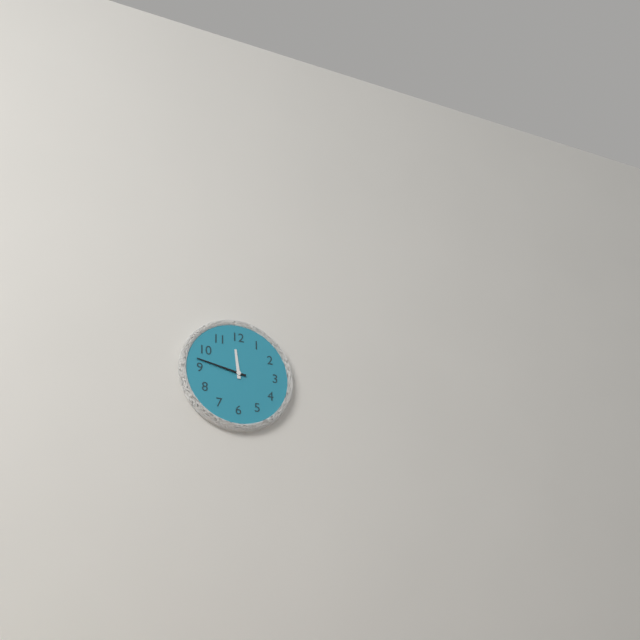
11:47
